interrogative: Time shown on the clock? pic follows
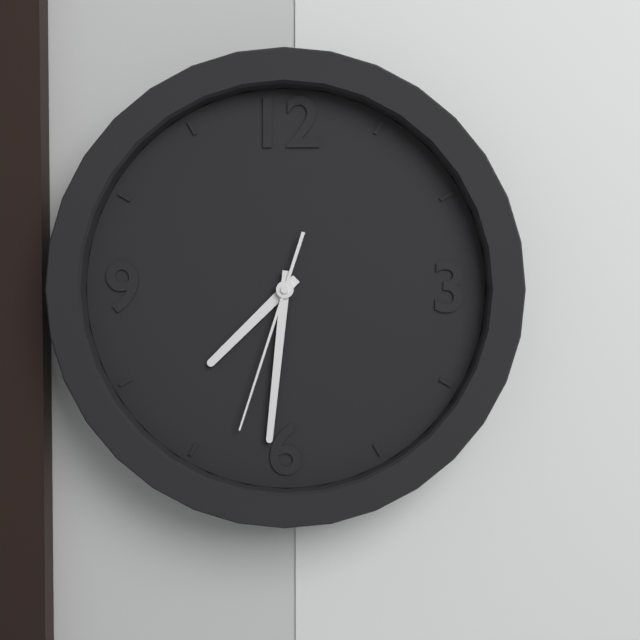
7:31:33
